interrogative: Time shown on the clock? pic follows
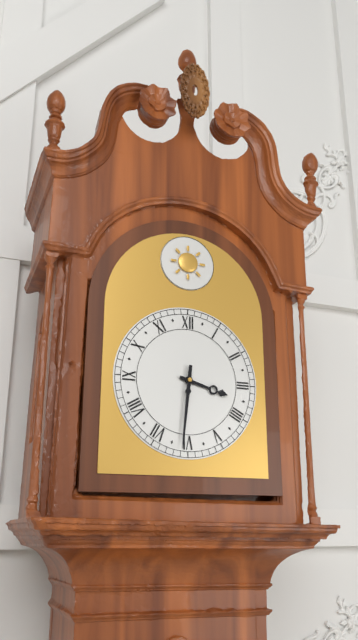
3:31
